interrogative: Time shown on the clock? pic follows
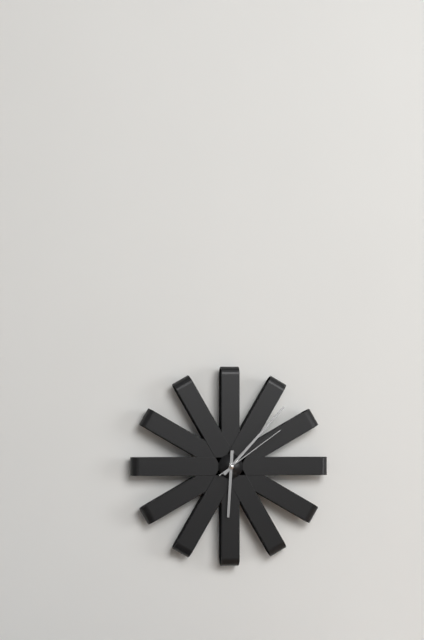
6:07:09
